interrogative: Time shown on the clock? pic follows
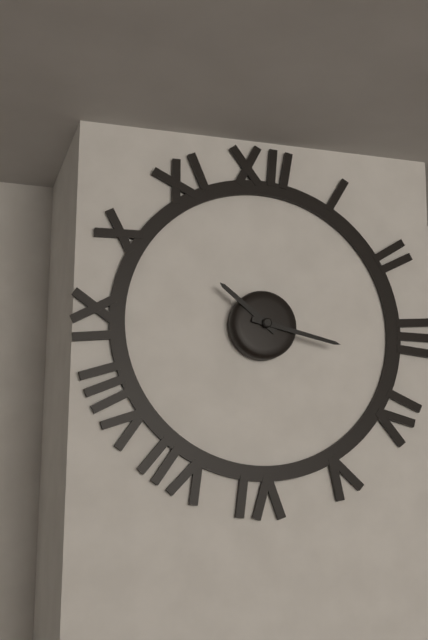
10:17
